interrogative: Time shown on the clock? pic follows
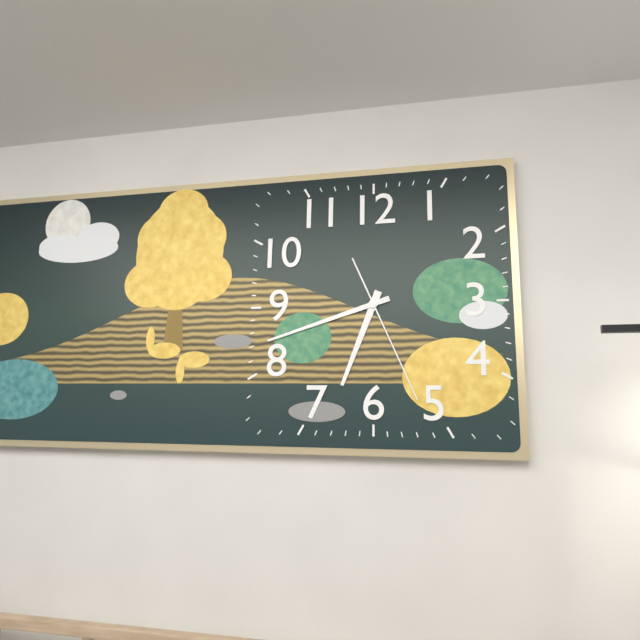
6:42:26
